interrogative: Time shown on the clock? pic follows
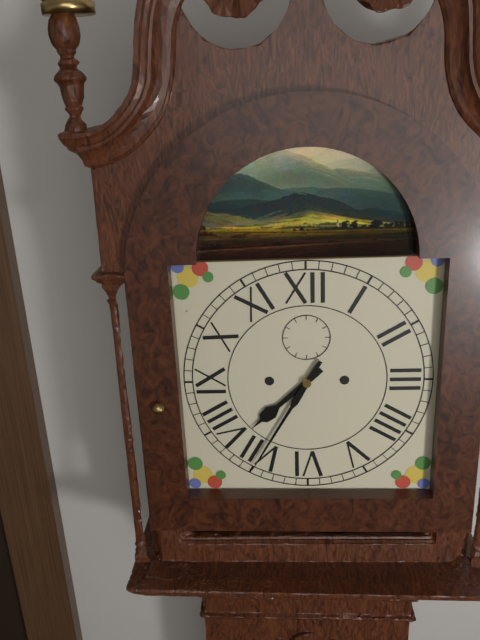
7:35
